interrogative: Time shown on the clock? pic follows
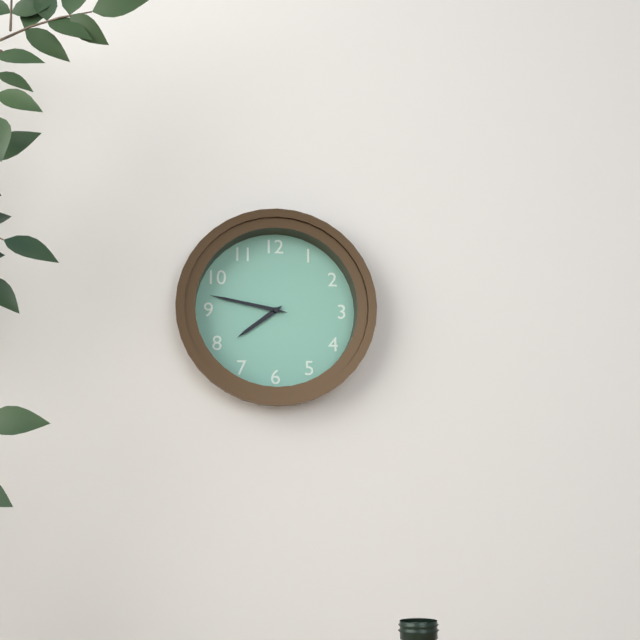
7:47
